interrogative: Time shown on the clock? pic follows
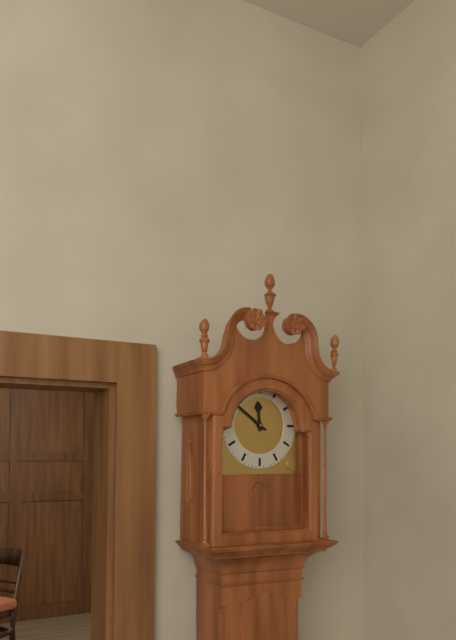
11:51
